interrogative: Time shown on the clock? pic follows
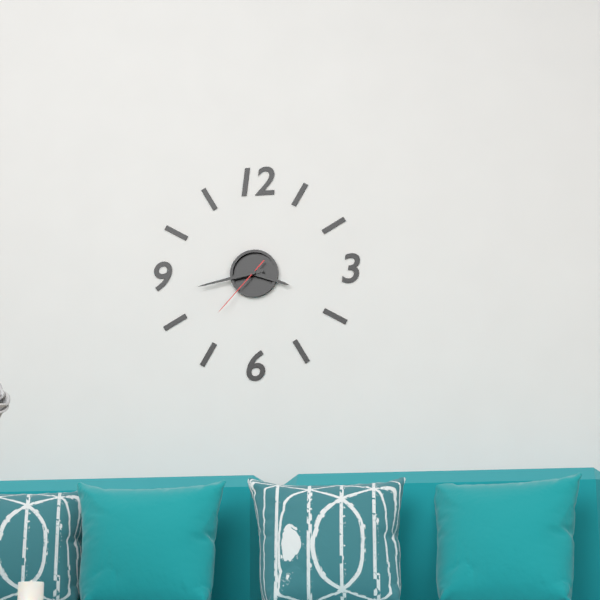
3:43:37
